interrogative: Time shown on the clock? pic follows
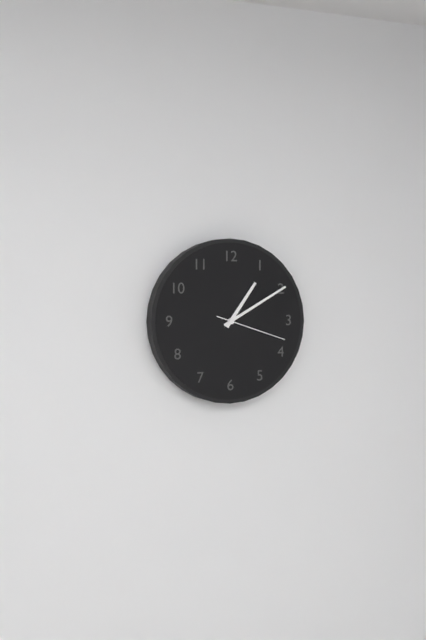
1:10:18
